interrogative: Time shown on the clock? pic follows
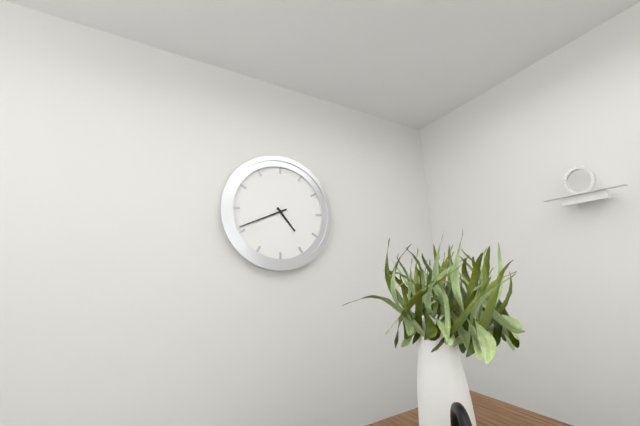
4:41
